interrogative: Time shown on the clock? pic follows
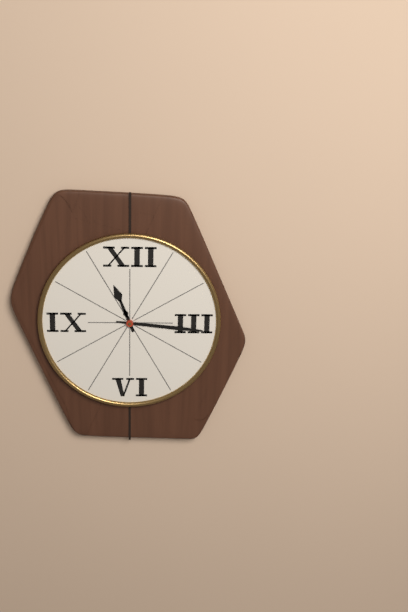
11:16
